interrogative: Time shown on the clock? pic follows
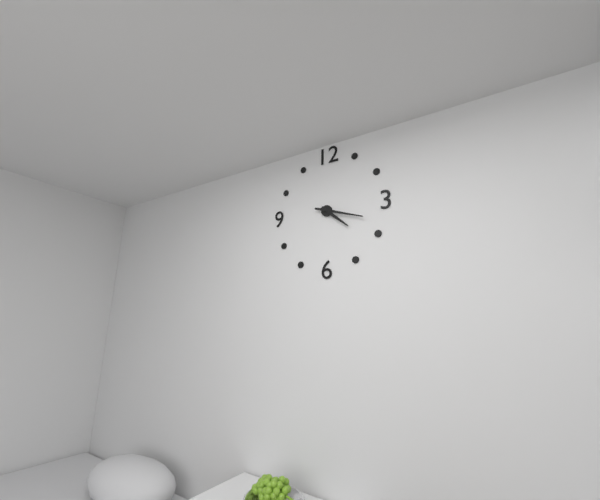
4:18
